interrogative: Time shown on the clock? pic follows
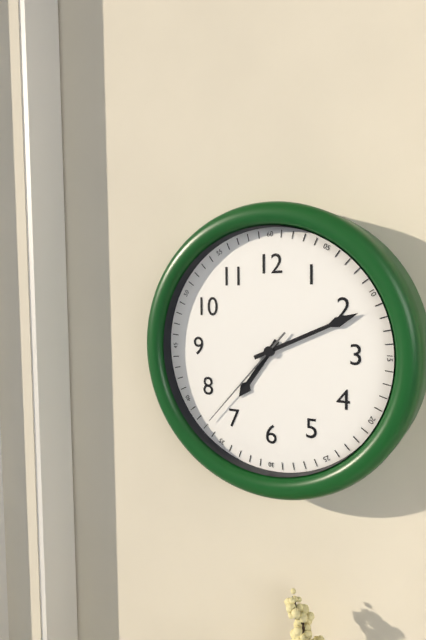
7:11:37
